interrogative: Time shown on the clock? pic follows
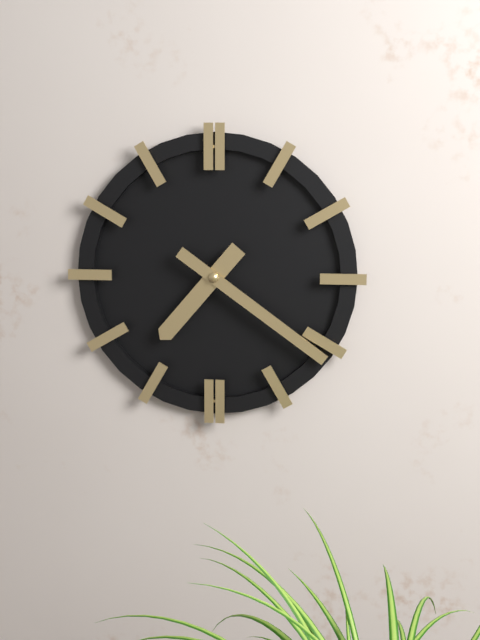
7:21
